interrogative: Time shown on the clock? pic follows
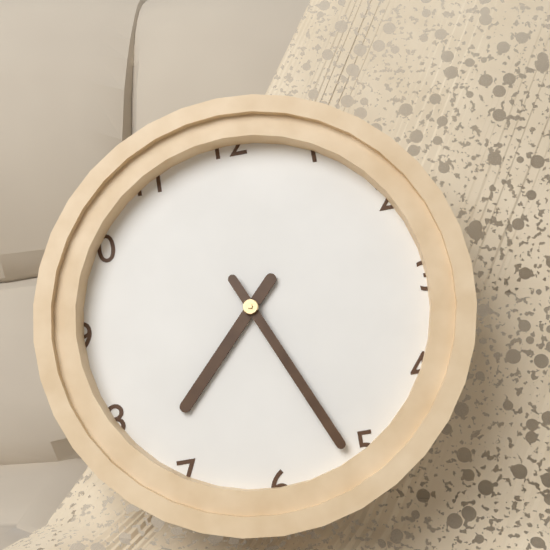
7:26
